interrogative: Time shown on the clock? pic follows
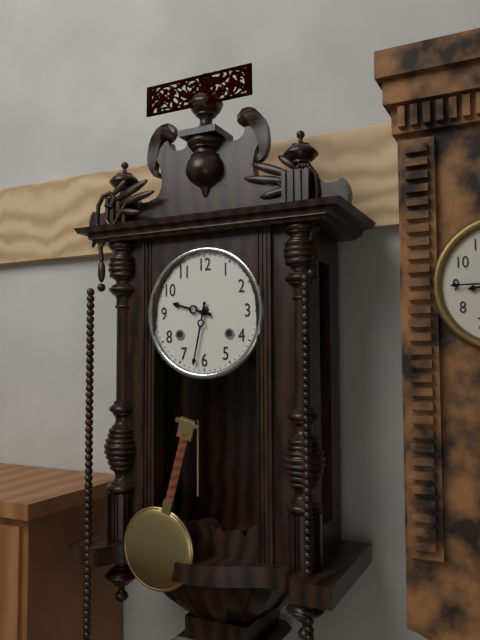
9:32
